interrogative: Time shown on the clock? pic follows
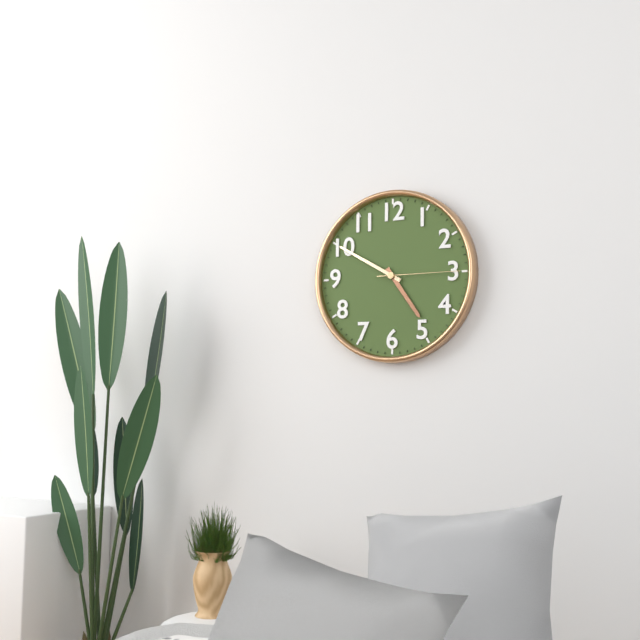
4:50:15
